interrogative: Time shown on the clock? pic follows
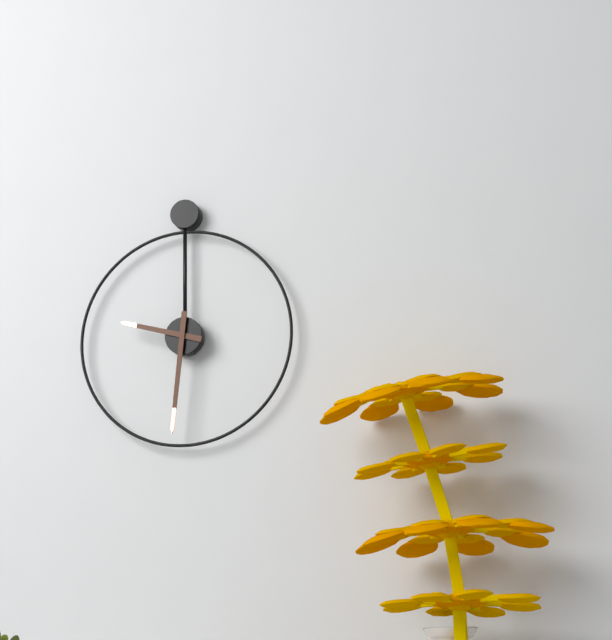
9:31
